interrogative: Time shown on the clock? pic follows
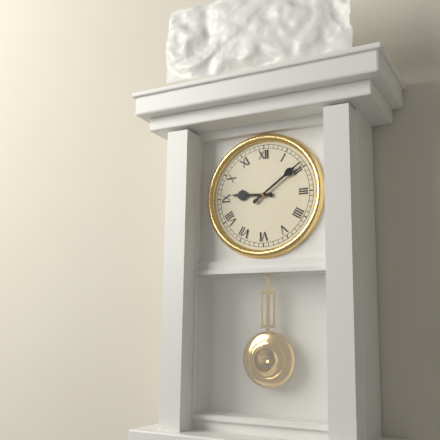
9:09
